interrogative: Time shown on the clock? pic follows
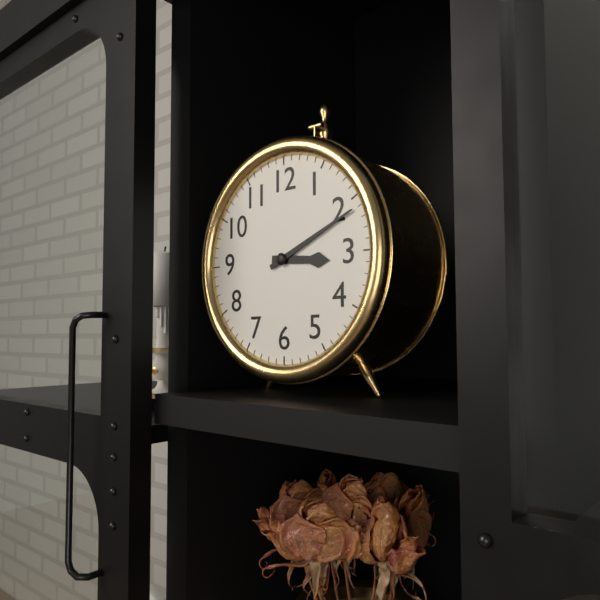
3:11
